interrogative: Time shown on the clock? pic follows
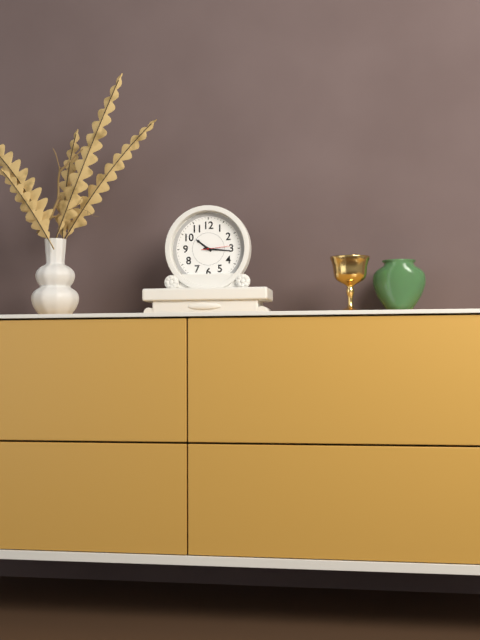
10:16
